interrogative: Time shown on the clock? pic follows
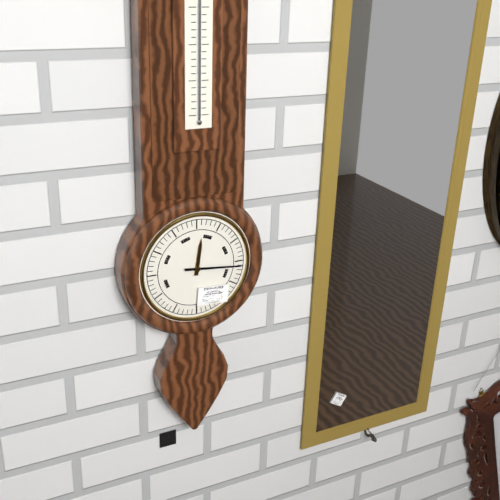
12:16
